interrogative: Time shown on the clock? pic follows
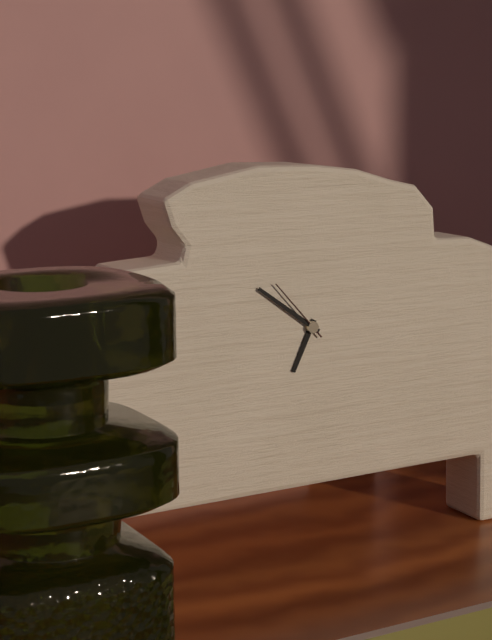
6:51:53
